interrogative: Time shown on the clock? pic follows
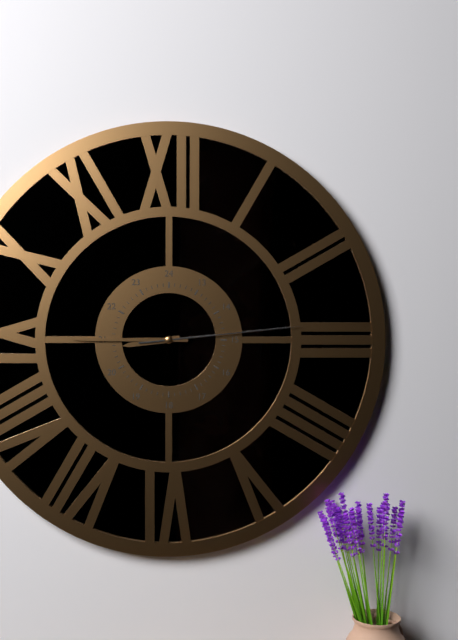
8:45:14
